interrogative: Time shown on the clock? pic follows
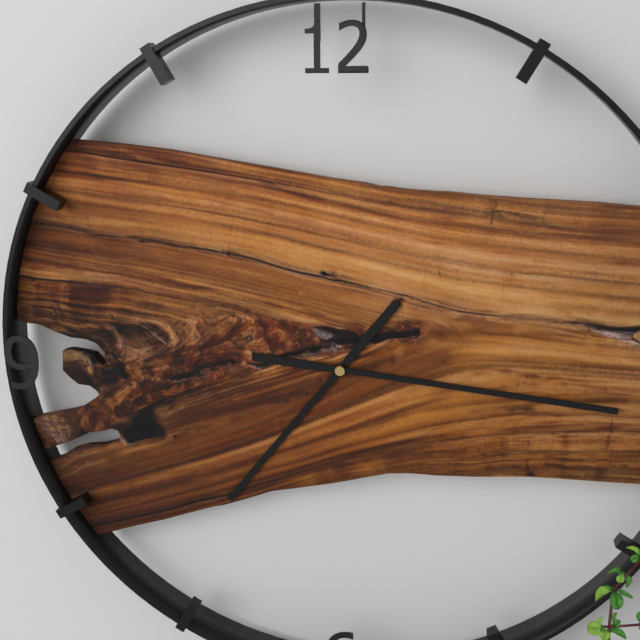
7:16
